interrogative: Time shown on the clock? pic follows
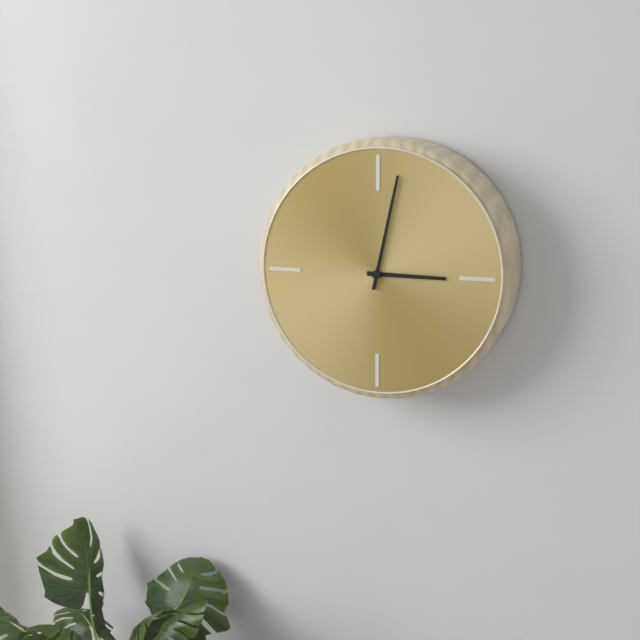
3:02
